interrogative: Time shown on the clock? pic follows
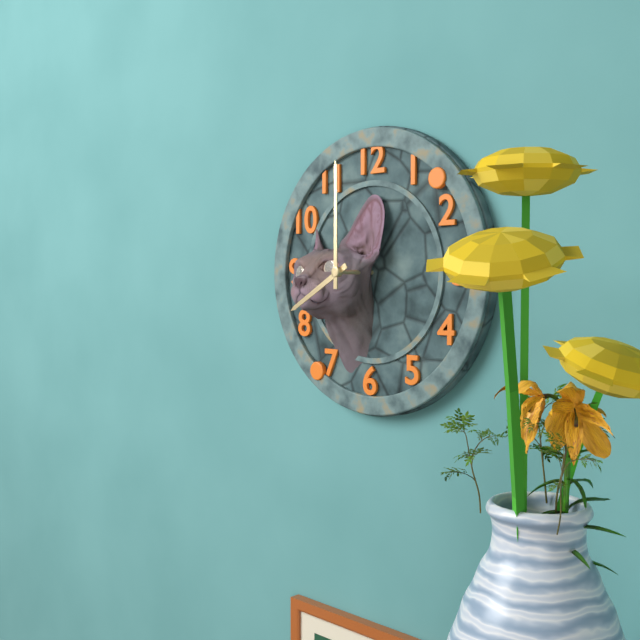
8:00
